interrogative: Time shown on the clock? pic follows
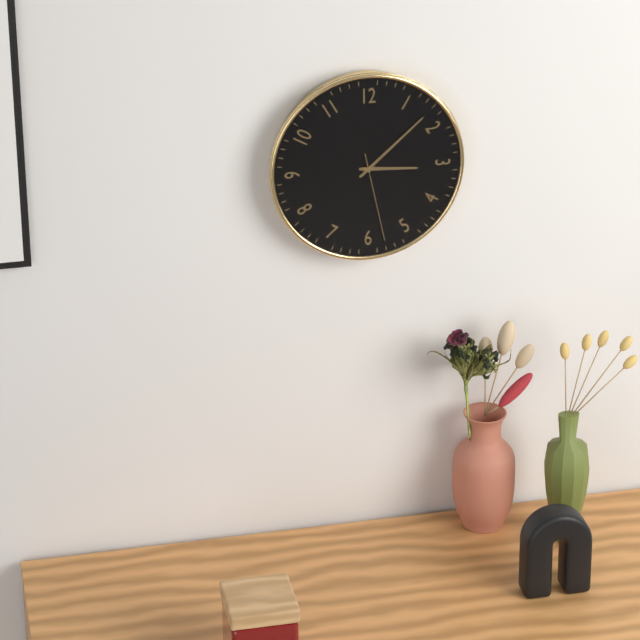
3:08:28
